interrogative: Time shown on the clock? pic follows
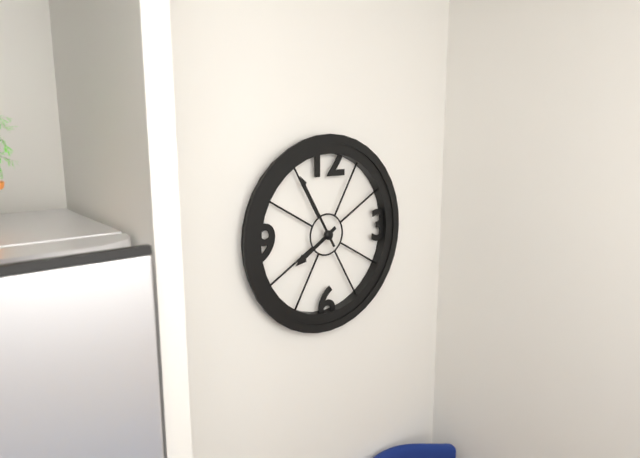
7:55
